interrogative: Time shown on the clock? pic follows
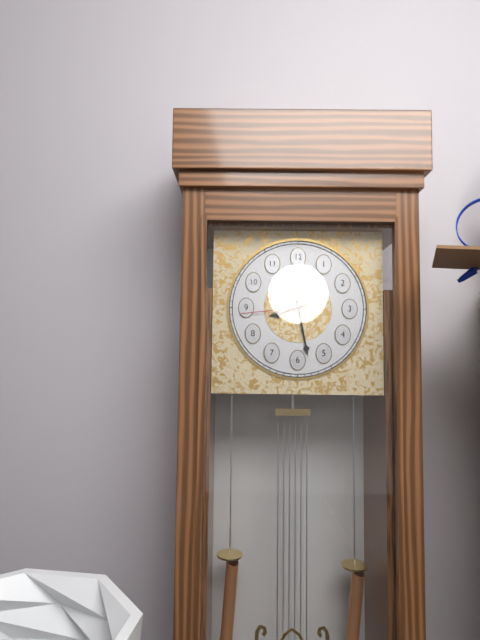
8:28:44
